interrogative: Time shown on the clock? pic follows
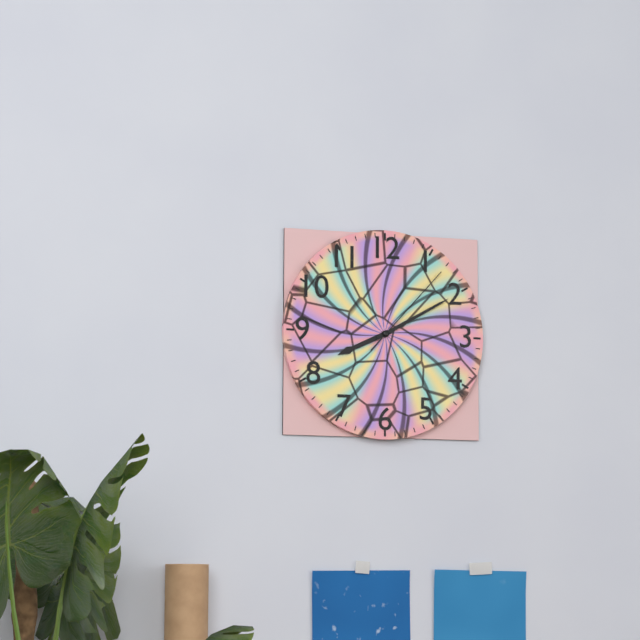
8:10:07
